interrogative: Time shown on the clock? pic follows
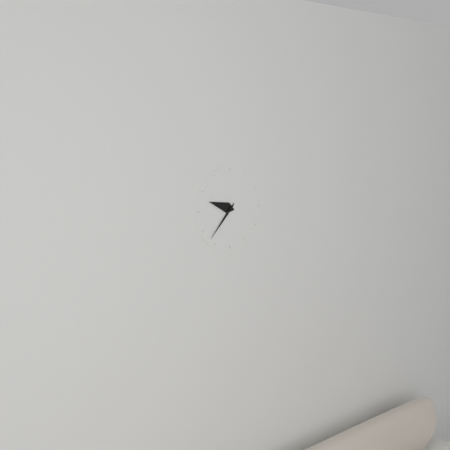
9:37
